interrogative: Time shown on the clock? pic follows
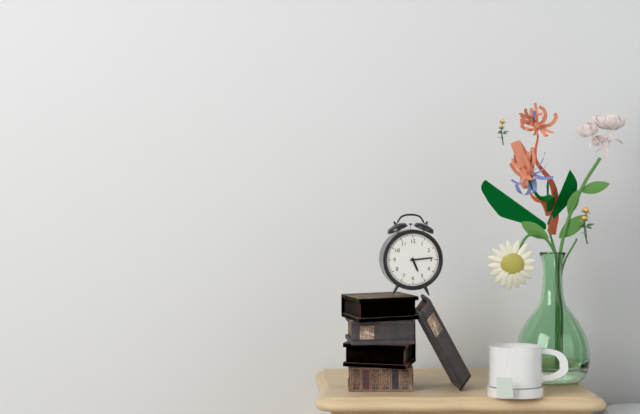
5:14
